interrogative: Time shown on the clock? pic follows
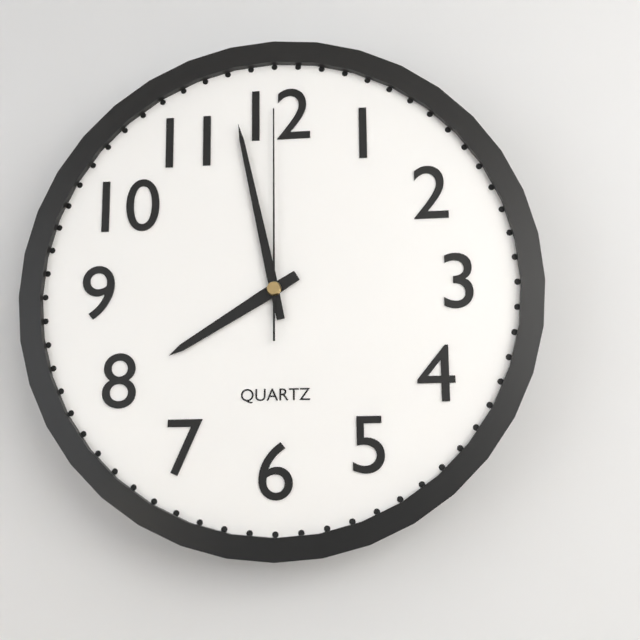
7:58:00
